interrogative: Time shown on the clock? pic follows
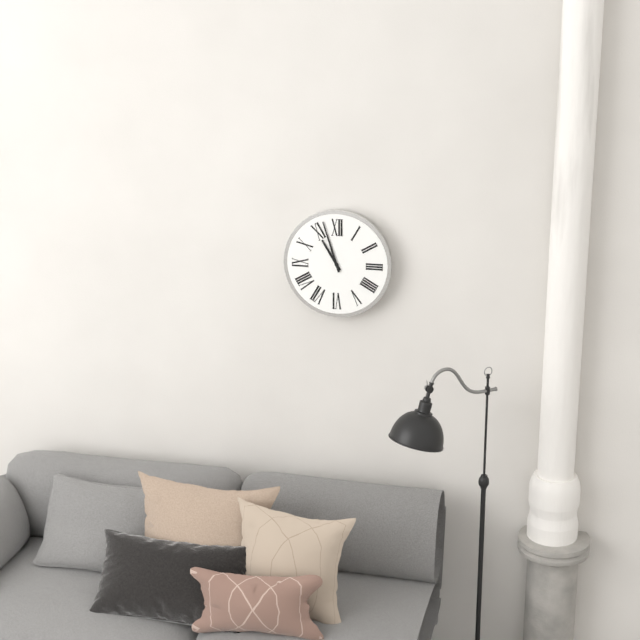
10:57
